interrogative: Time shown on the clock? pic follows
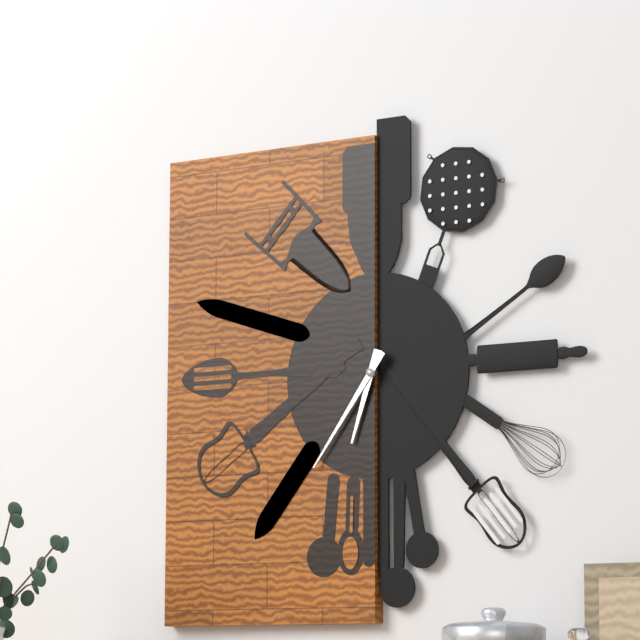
6:36
